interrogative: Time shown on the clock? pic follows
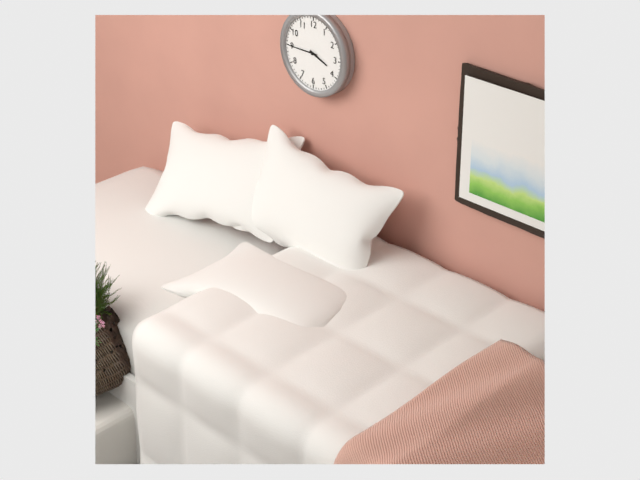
3:45
